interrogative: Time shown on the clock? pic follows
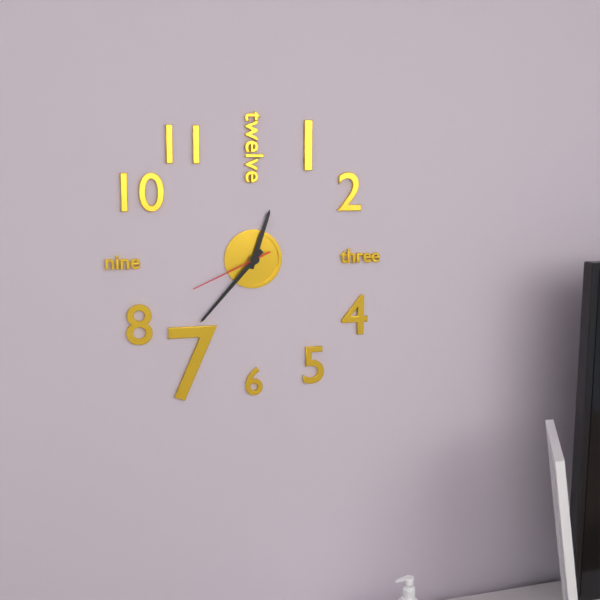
12:37:41
